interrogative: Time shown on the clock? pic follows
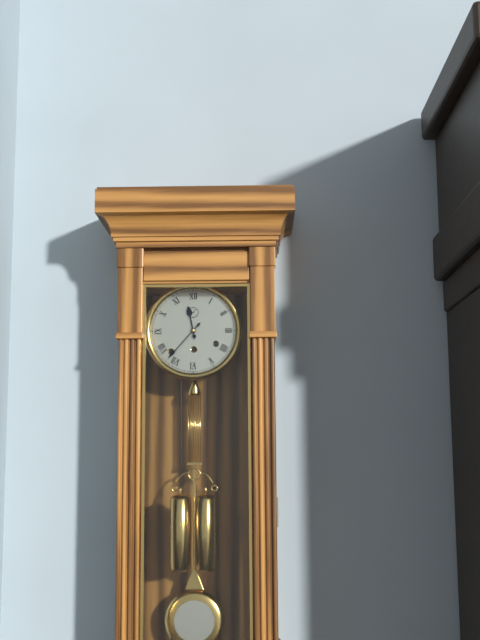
11:37
